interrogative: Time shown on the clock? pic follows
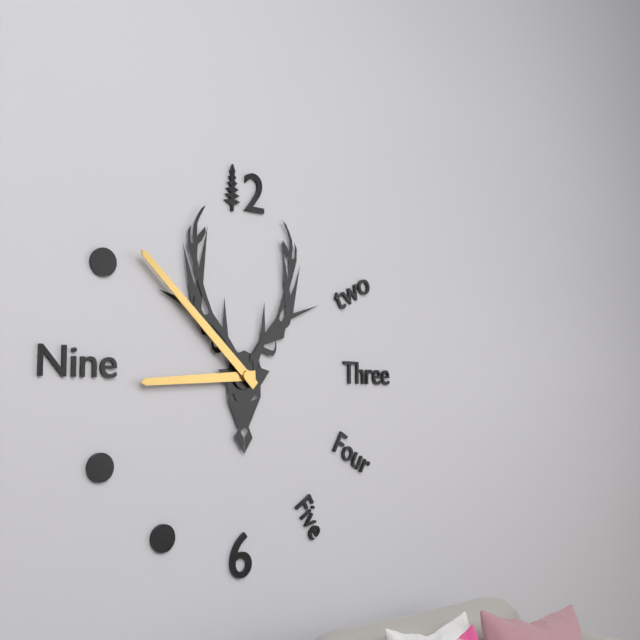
8:52
